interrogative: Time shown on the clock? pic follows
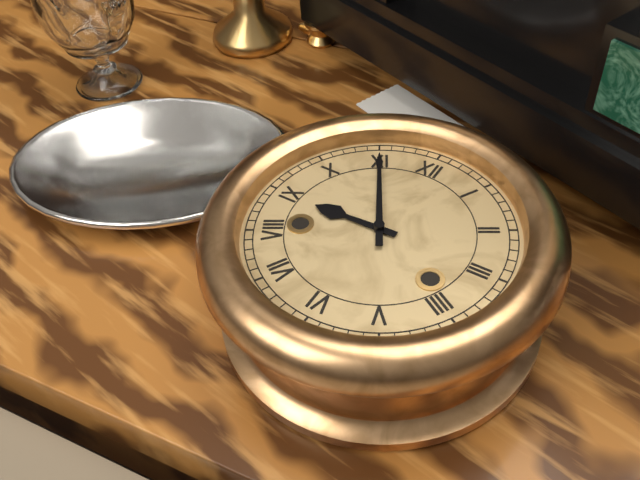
8:55
